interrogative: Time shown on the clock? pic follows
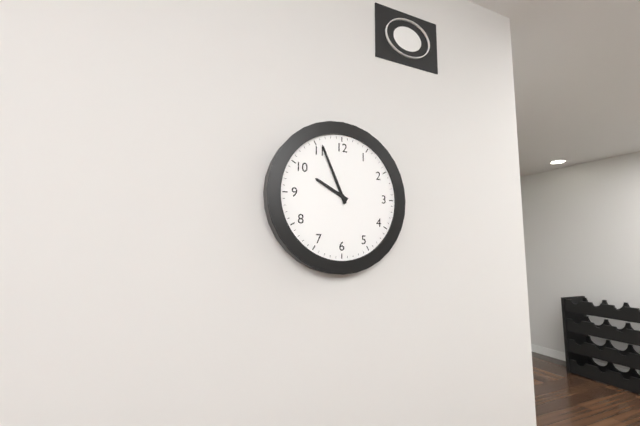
9:56
